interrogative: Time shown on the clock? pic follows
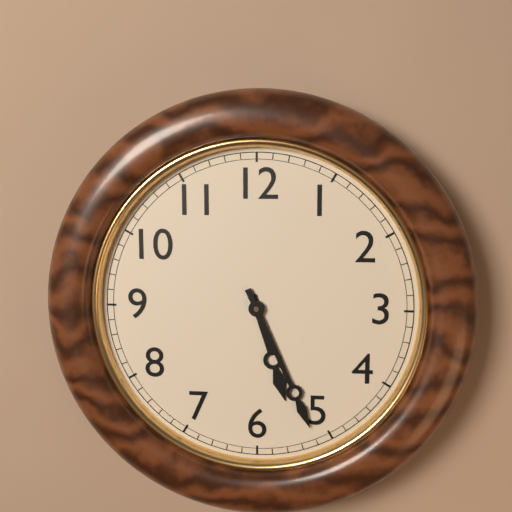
5:26
